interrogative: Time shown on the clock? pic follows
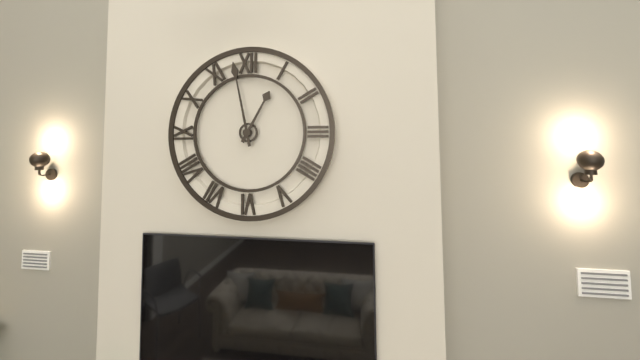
12:58
